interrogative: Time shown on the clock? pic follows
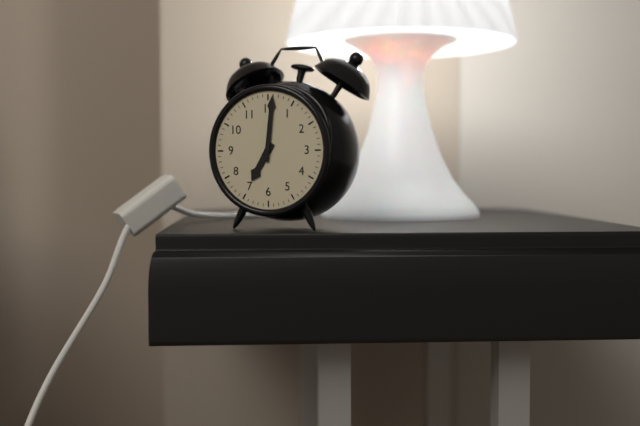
7:01
